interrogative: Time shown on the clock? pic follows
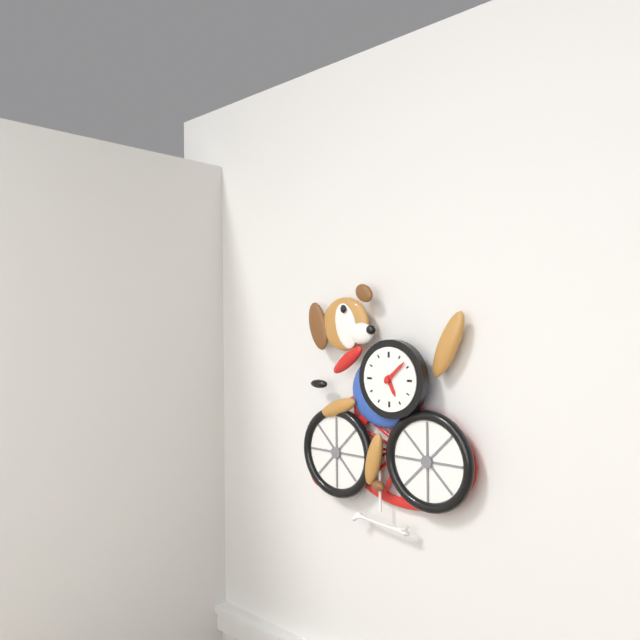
5:08
